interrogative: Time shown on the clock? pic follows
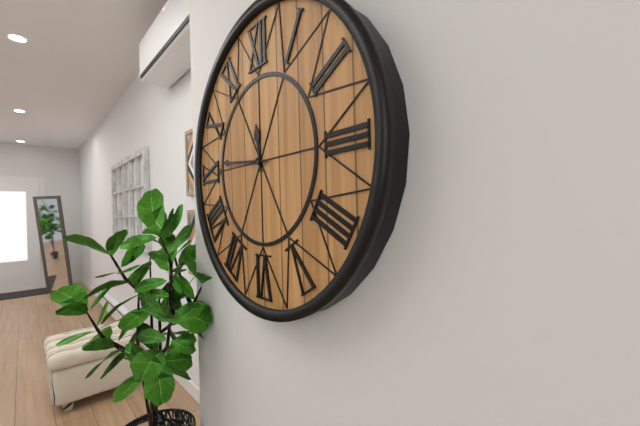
11:46
